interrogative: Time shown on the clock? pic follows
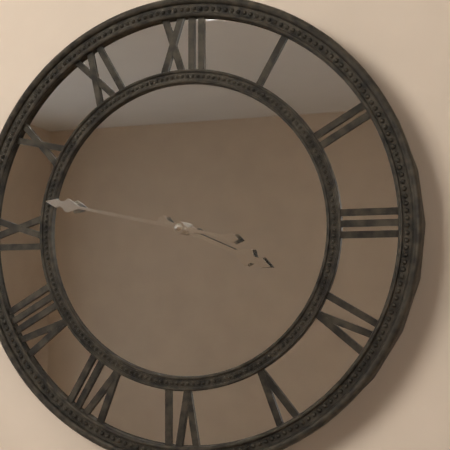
3:47
